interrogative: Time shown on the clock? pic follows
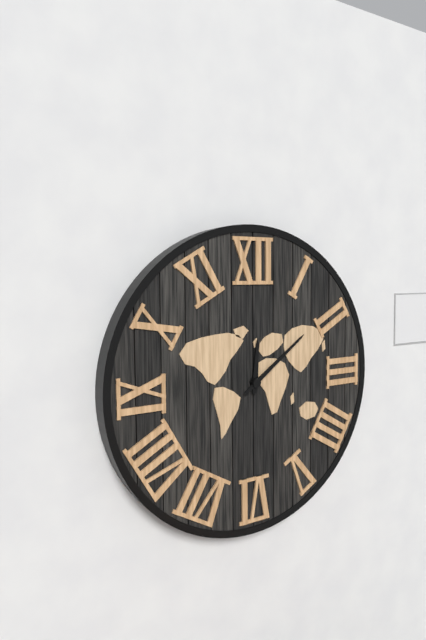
12:09
